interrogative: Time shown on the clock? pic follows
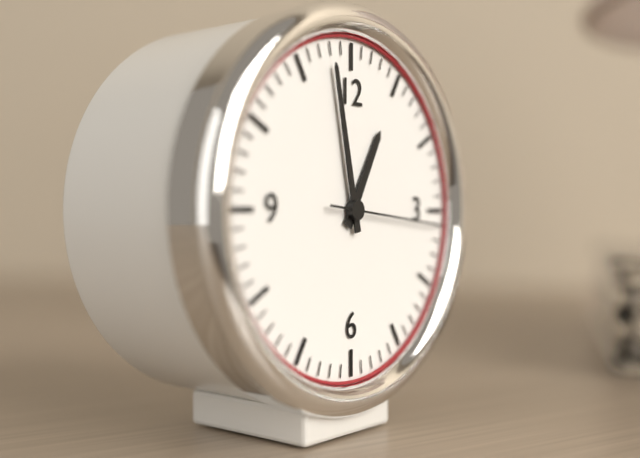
12:58:16
